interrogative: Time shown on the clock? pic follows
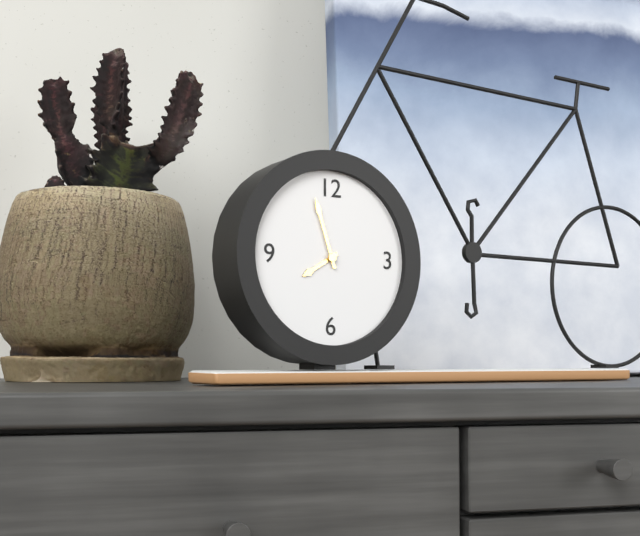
7:57
